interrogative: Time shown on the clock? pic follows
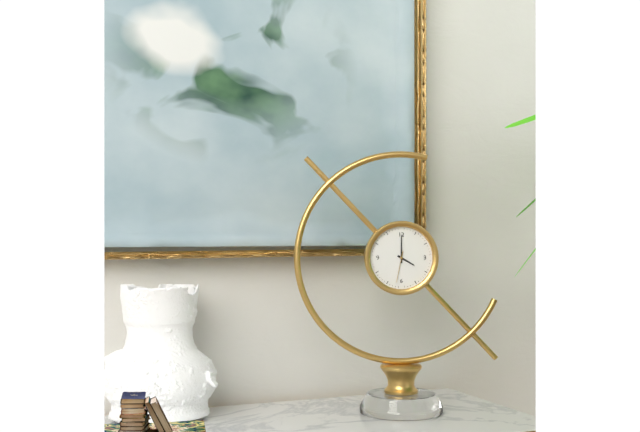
4:00
